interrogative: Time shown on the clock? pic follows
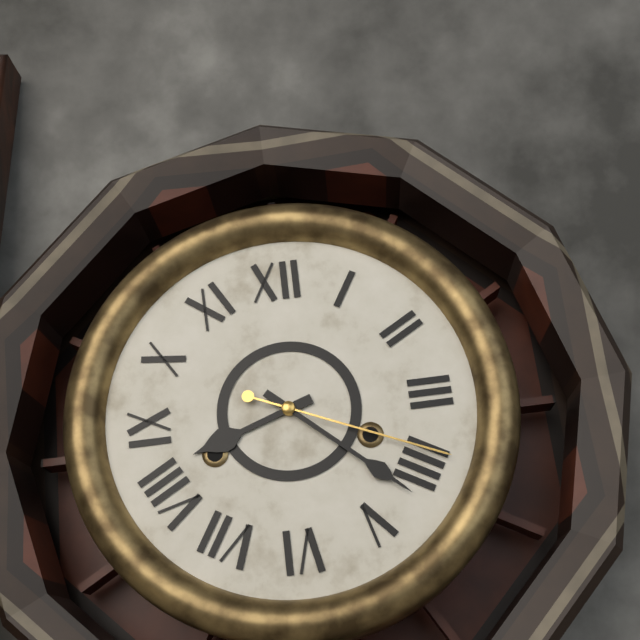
8:22:19
